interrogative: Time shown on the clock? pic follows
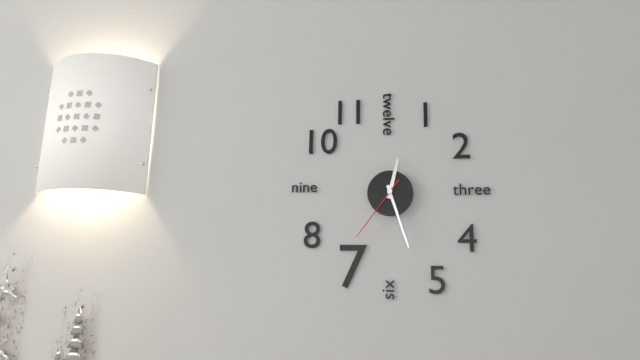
12:27:36
